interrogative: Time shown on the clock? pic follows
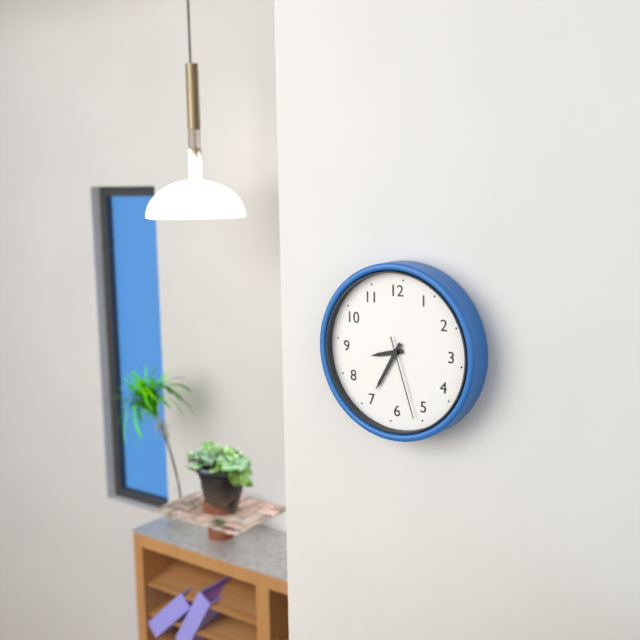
8:35:27
